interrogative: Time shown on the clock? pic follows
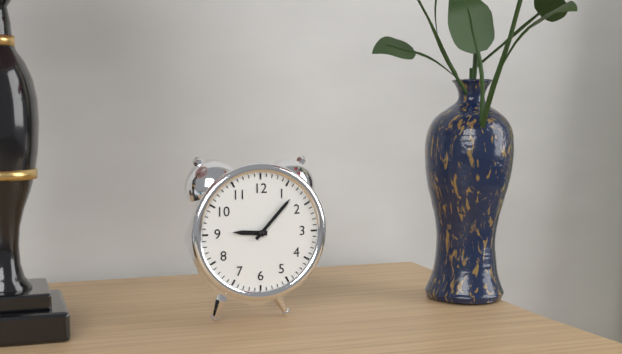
9:07
